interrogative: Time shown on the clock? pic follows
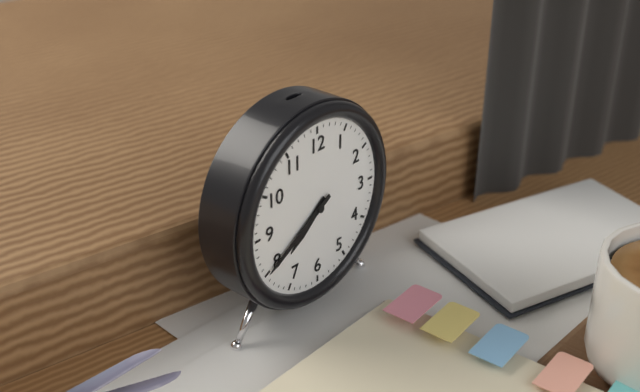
7:40
